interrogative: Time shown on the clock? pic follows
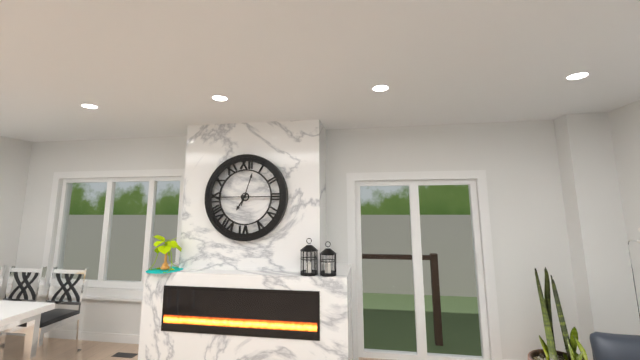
7:03
